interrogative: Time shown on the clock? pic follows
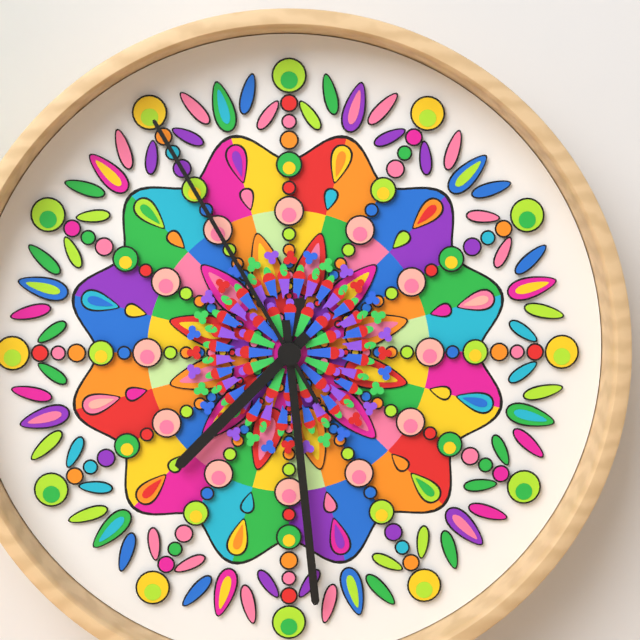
7:29:55
